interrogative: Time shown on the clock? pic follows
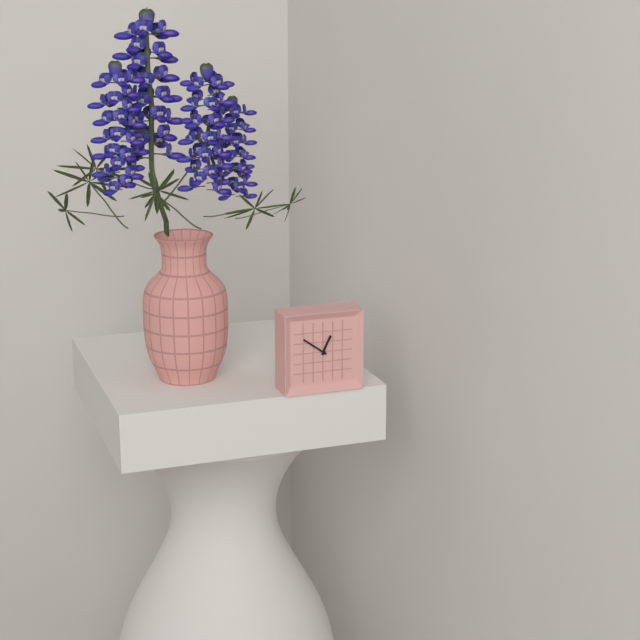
12:51
